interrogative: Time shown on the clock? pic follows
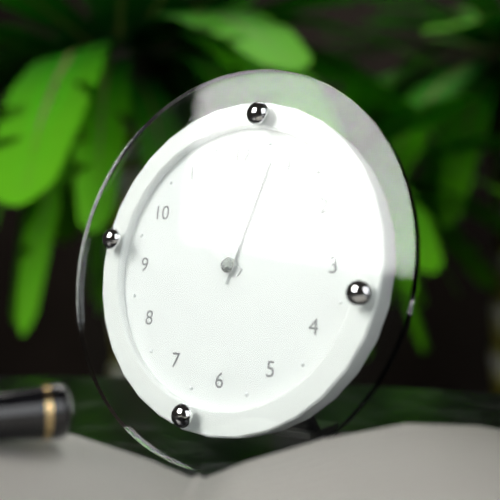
10:03
